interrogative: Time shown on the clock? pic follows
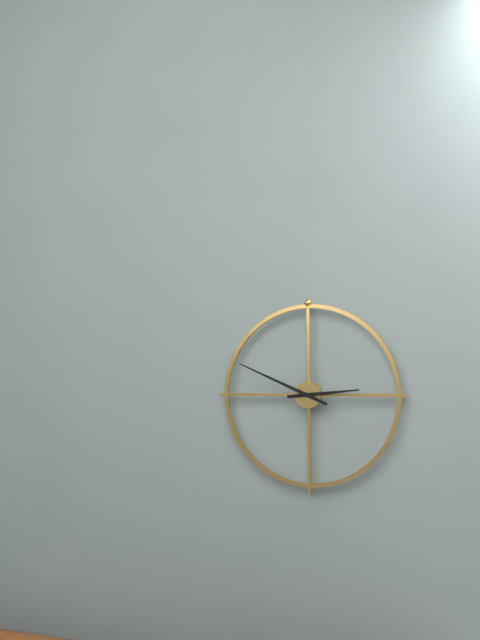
2:49
